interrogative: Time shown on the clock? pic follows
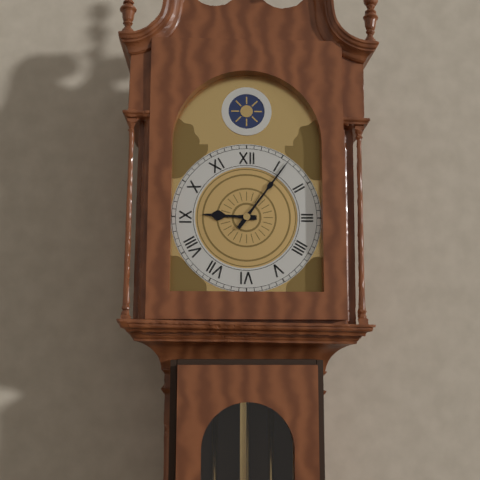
9:06
